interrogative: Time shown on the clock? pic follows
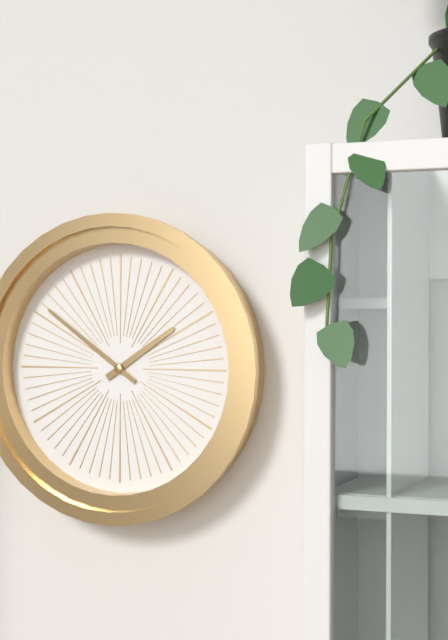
1:51
